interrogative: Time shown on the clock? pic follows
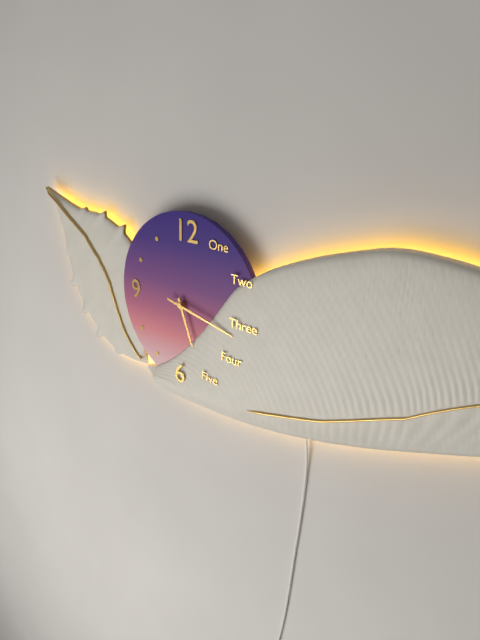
5:17
